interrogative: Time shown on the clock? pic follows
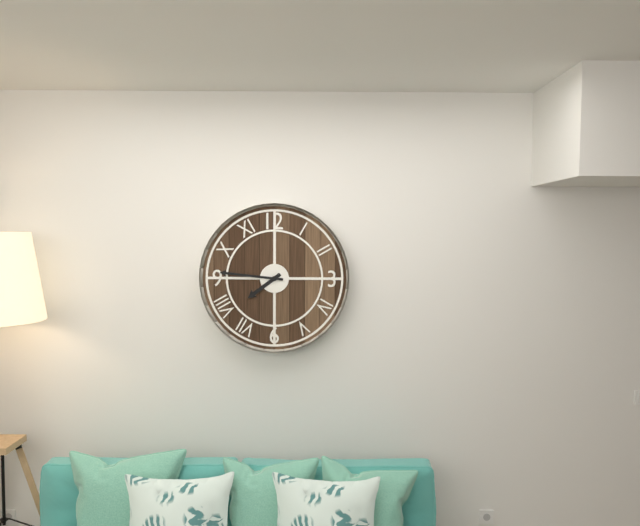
7:46
